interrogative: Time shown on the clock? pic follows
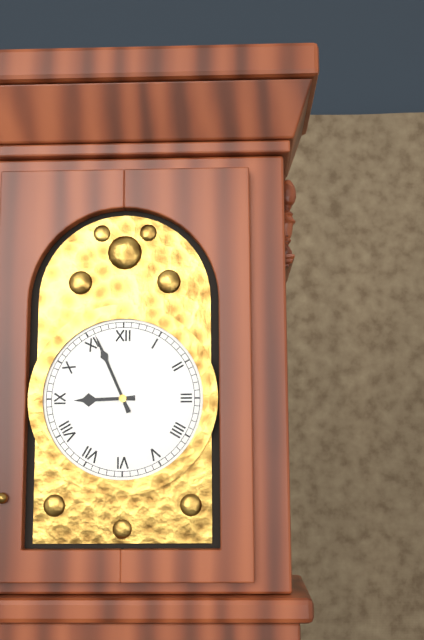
8:56
